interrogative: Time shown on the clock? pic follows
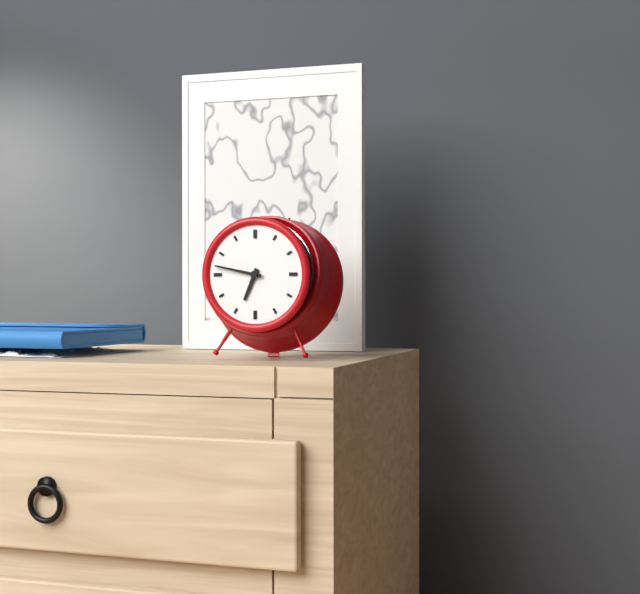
6:47
